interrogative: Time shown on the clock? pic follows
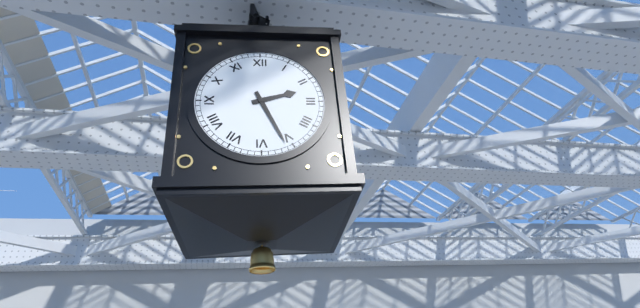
2:26
